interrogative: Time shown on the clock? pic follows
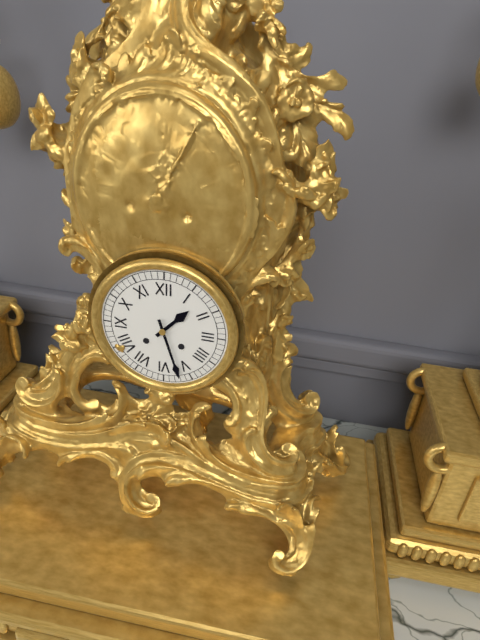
1:27
